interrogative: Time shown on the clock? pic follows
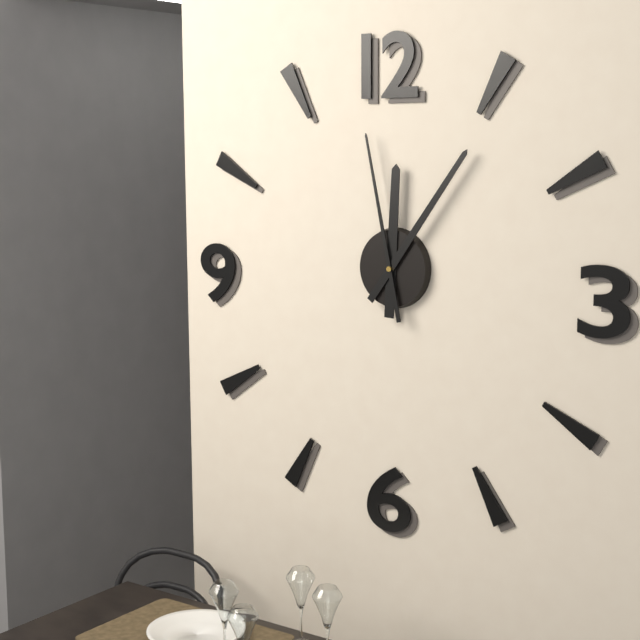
12:06:58
